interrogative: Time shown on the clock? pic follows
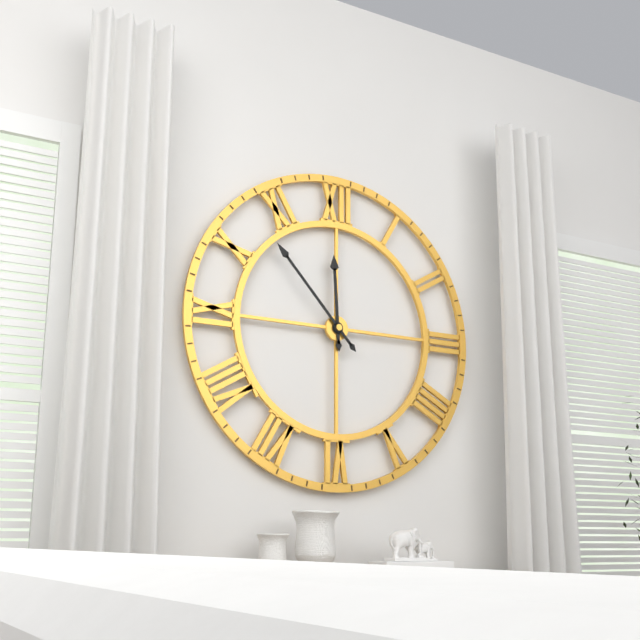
11:53
